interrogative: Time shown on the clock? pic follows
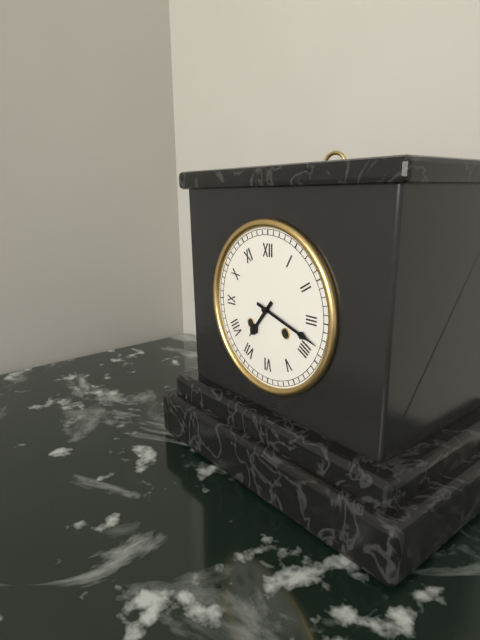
7:18
